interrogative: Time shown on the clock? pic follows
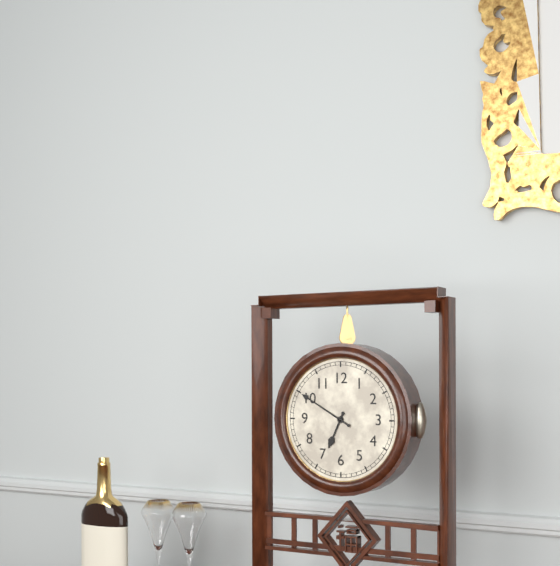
6:50
